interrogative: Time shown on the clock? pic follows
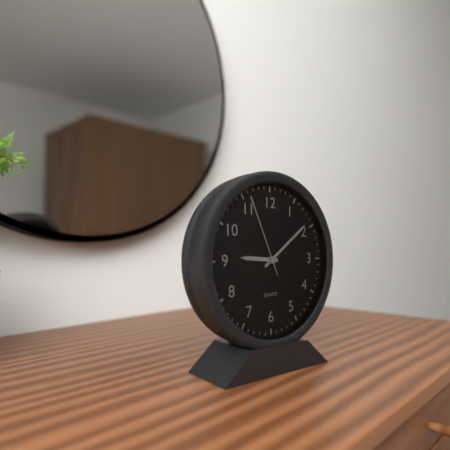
9:09:56
